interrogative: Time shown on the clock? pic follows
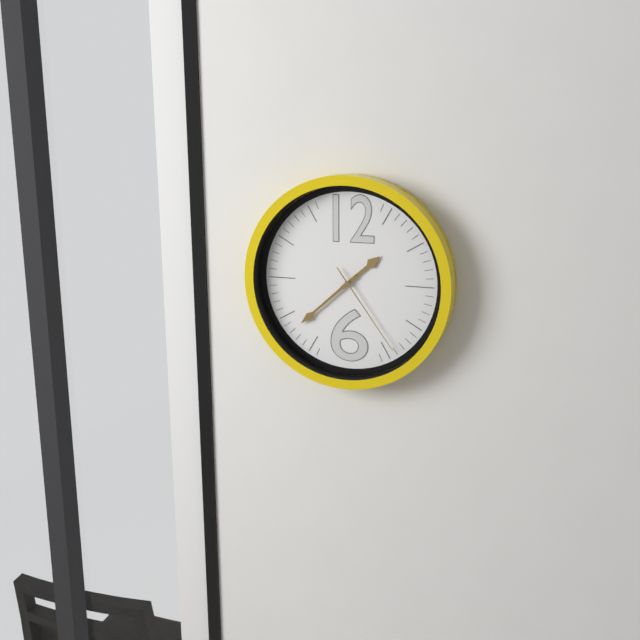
1:38:24
